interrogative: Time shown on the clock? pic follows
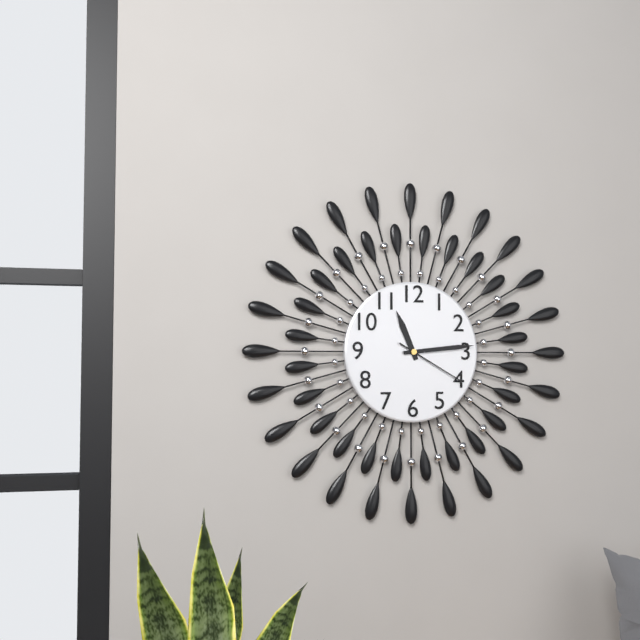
11:14:20
